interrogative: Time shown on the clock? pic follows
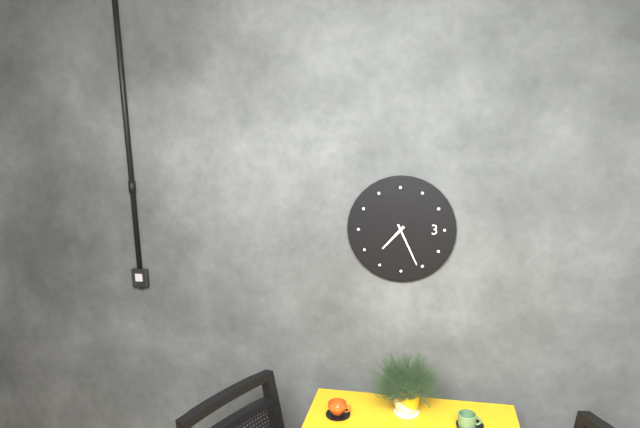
7:26
